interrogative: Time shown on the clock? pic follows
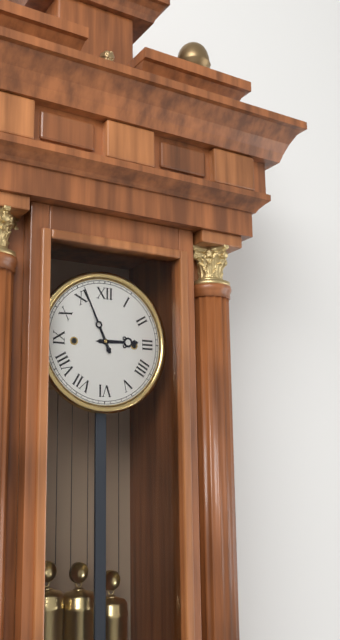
2:56
